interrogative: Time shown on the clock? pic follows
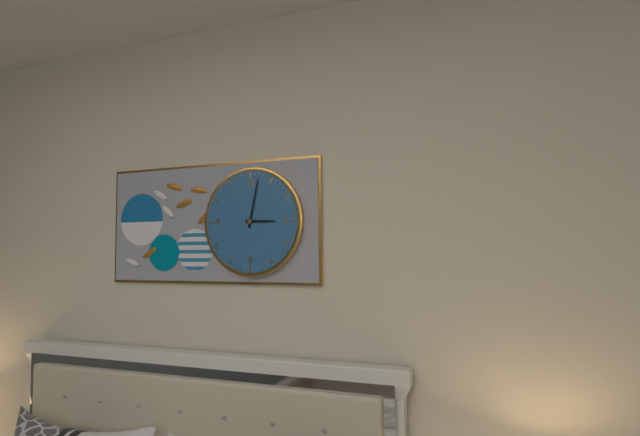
3:02
